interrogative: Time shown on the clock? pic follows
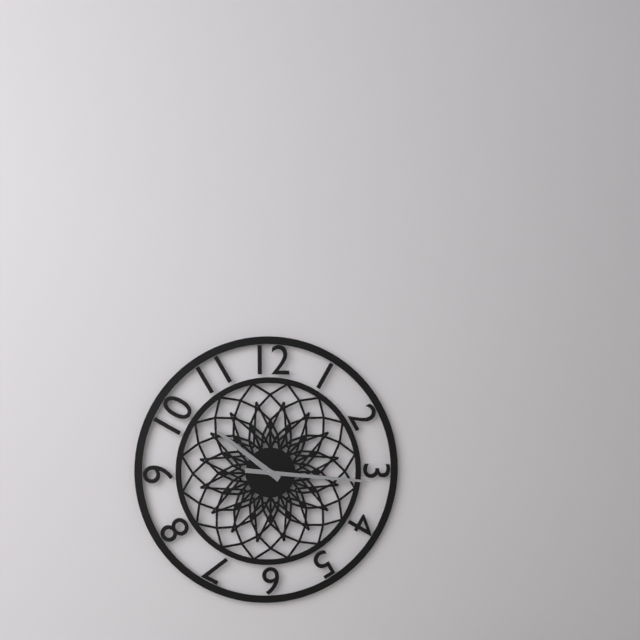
10:16
